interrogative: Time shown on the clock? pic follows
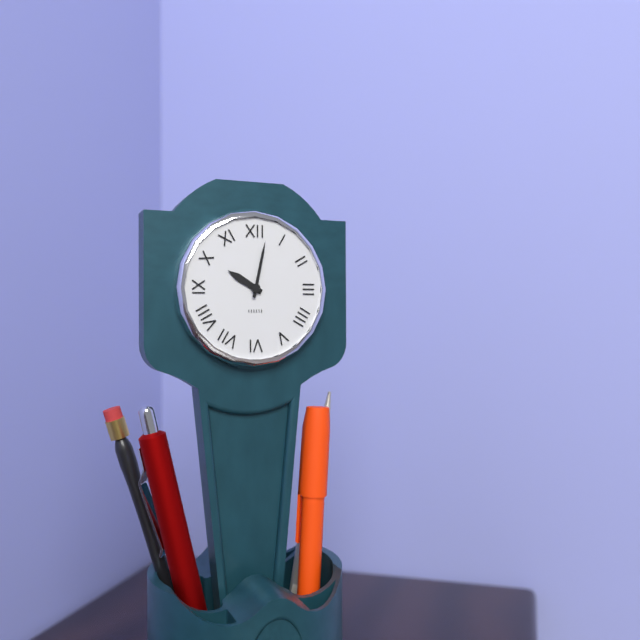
10:02
